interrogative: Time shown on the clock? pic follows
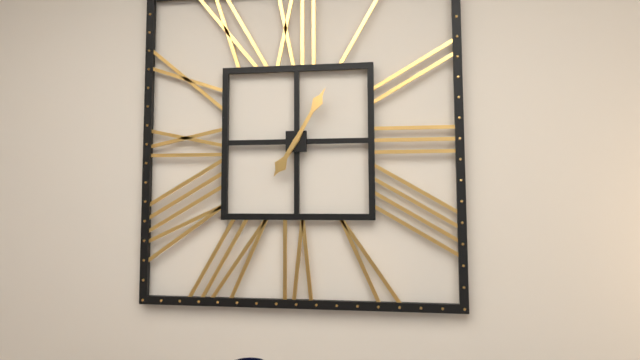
7:05
